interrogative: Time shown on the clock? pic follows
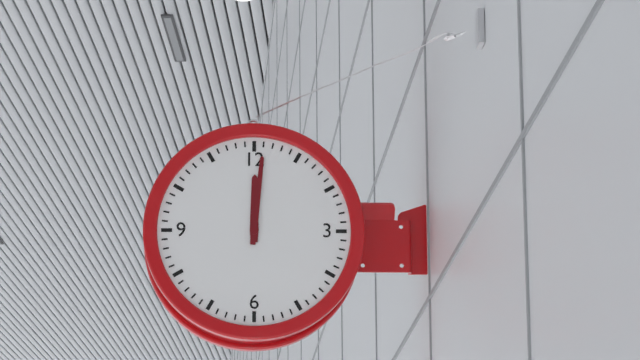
12:01
